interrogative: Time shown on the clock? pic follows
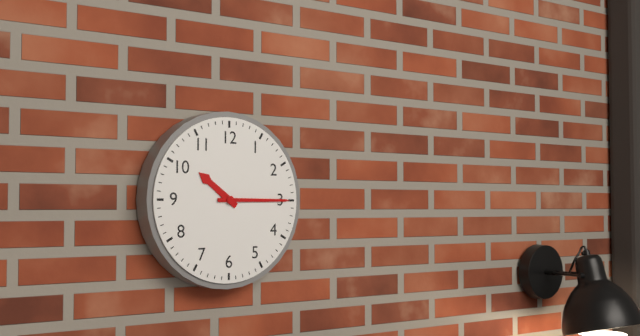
10:15
